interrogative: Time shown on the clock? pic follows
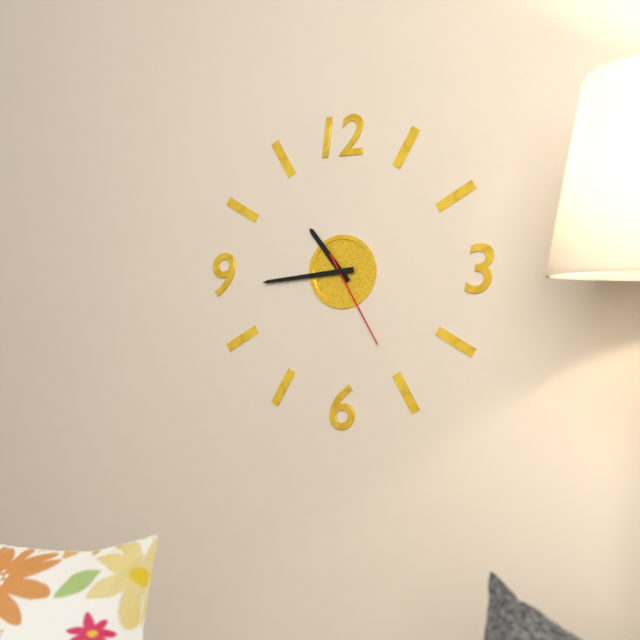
10:44:25
